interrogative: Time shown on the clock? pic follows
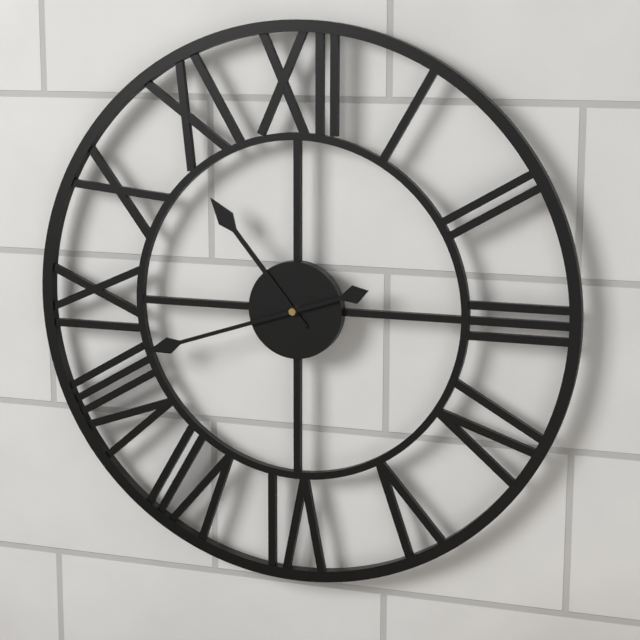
10:42
